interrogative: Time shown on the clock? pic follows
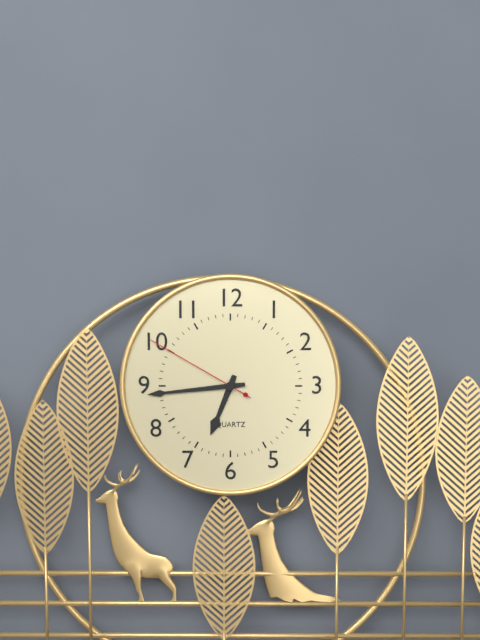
6:44:50
